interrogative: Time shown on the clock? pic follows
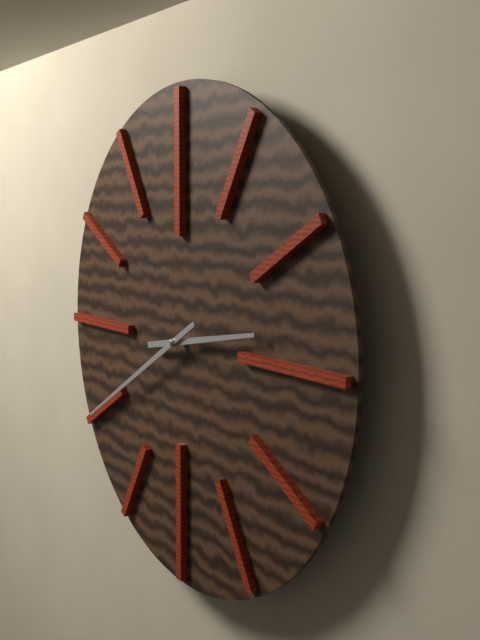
2:40
